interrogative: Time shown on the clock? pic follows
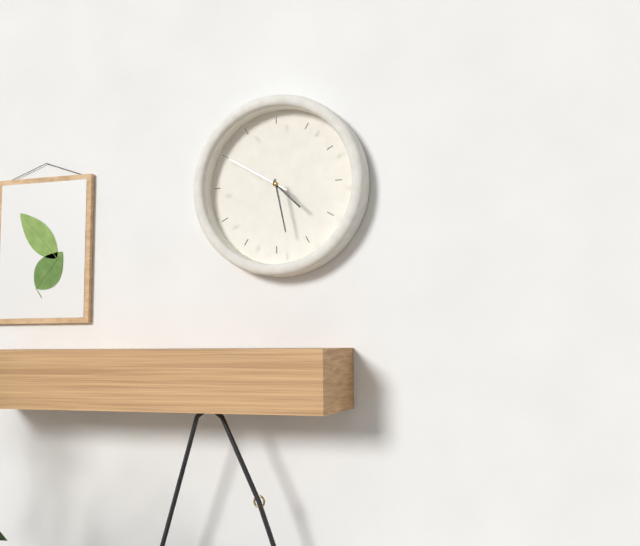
4:28:50
